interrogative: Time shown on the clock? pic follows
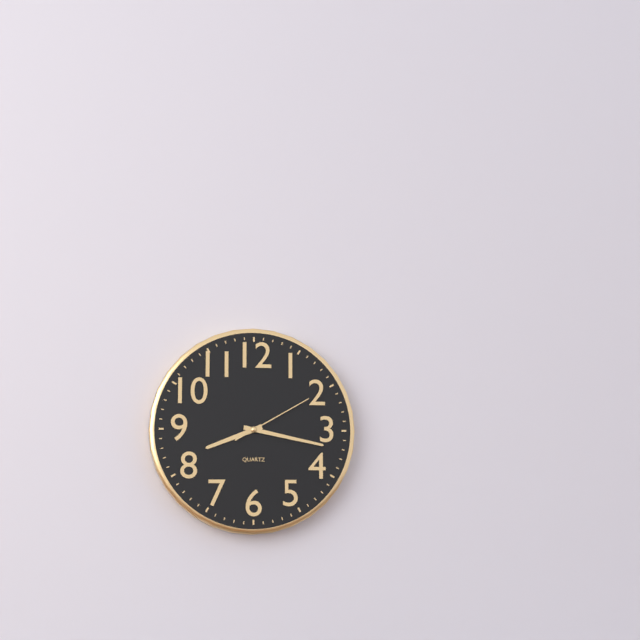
8:17:10
